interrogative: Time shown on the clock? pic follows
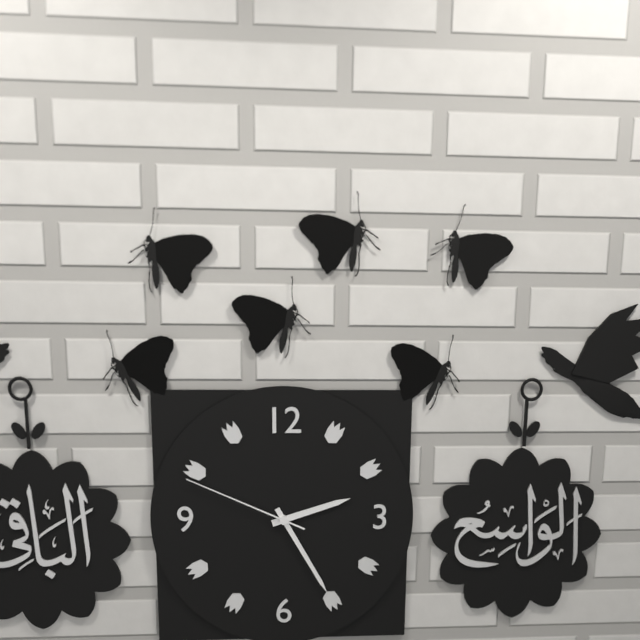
2:25:49
